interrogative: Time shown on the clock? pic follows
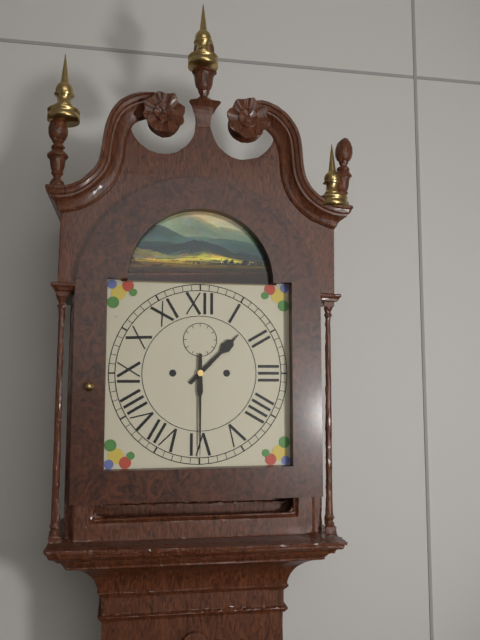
1:30
